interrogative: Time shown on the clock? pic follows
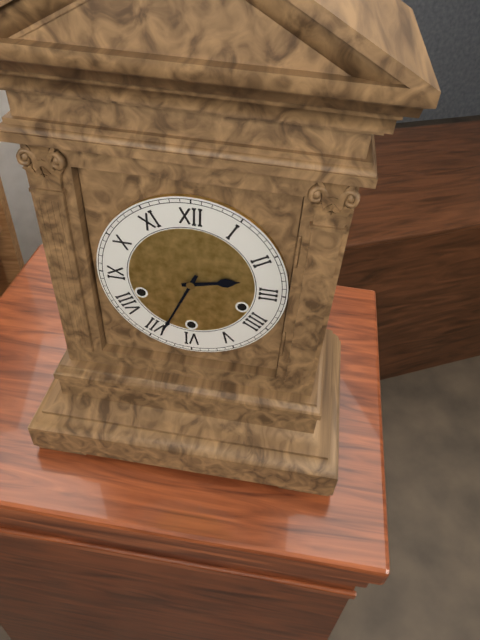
2:34
